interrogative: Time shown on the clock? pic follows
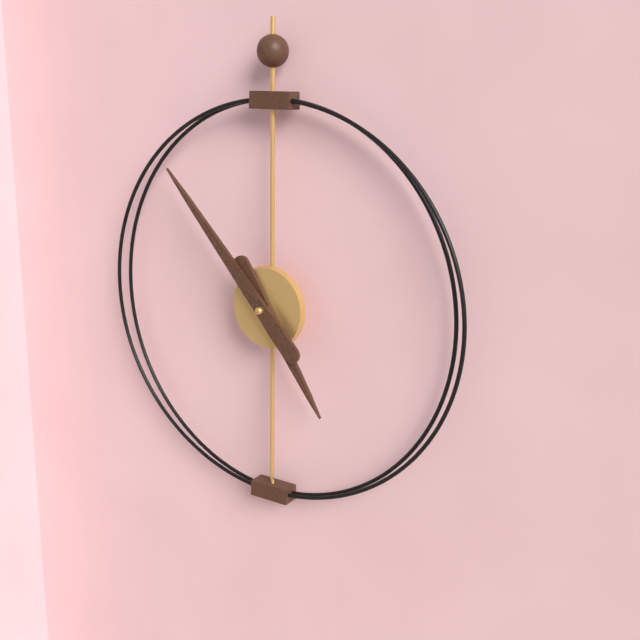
4:53
